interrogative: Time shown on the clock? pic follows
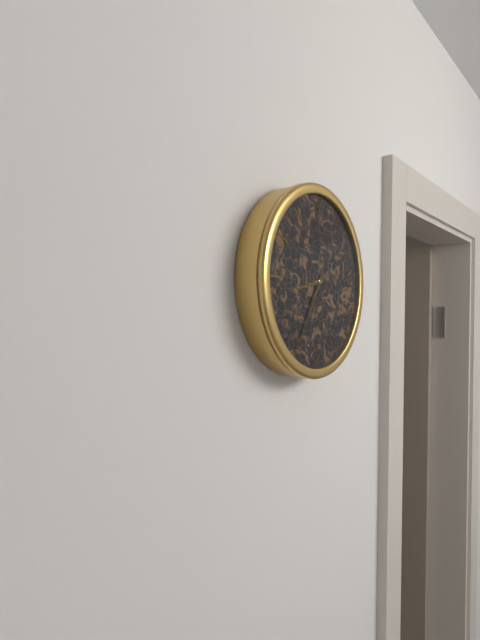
8:35
